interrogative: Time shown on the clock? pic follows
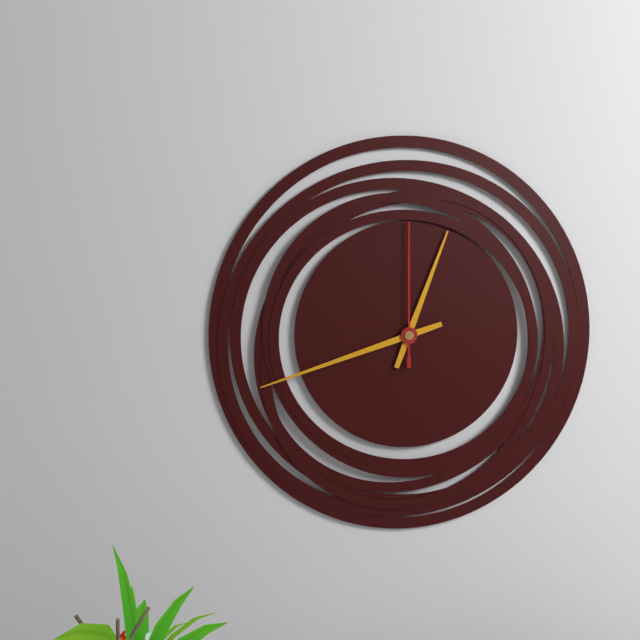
12:42:00
